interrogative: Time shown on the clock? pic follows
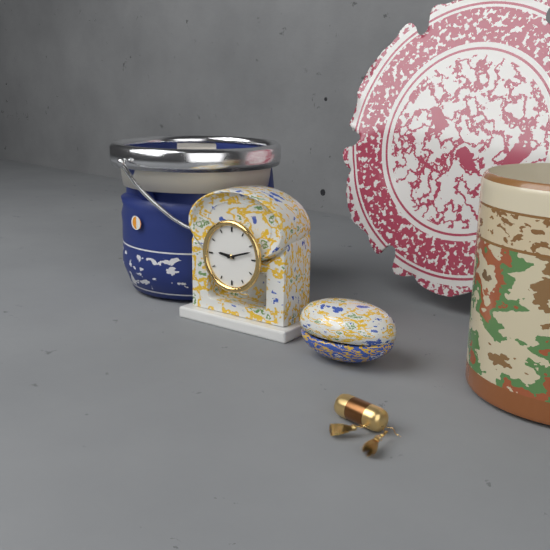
9:12
